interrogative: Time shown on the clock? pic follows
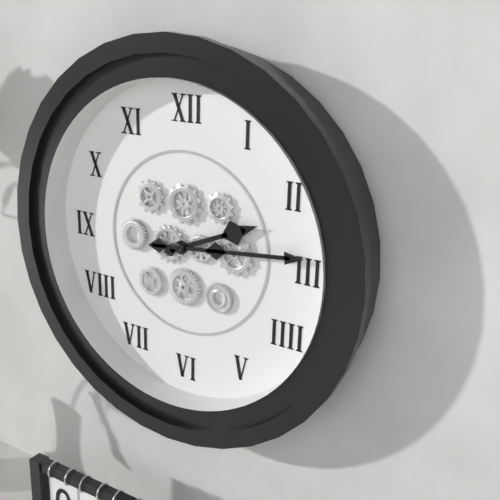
2:14
